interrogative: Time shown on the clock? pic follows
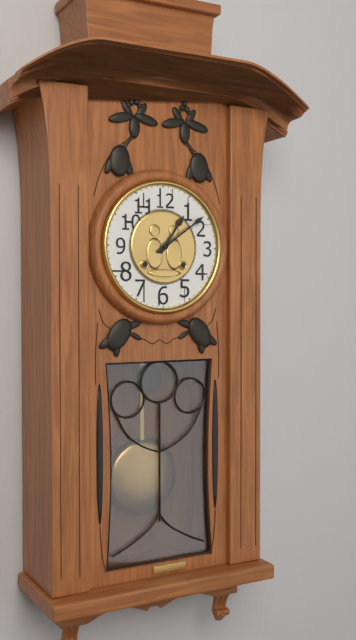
1:09
